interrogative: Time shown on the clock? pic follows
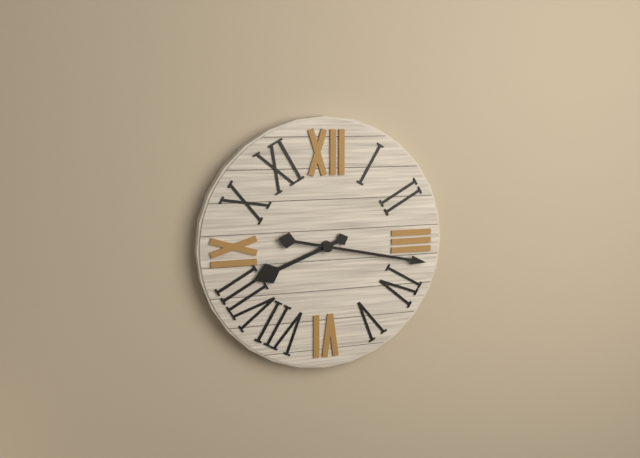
8:17
